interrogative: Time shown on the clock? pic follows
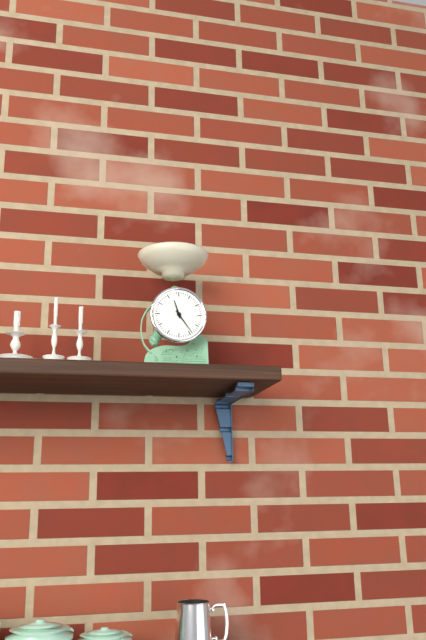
11:24
